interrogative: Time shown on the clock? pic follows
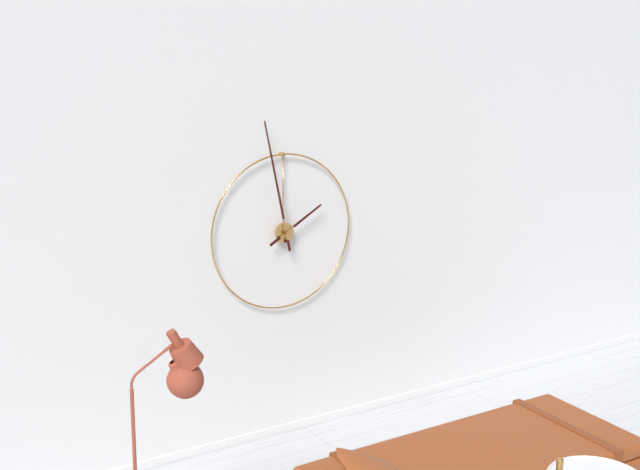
1:58
